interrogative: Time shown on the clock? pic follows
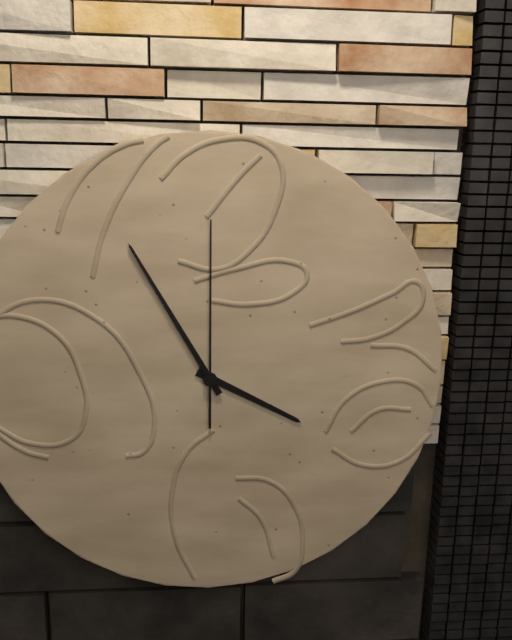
3:55:00
